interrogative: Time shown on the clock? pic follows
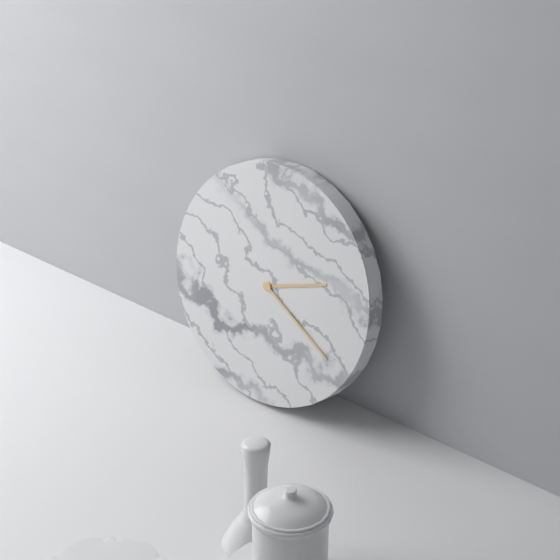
2:20
